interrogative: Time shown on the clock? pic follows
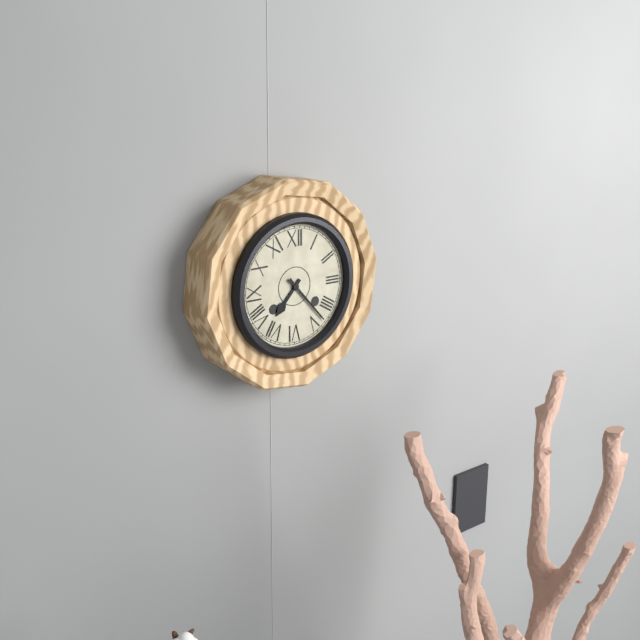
7:23
